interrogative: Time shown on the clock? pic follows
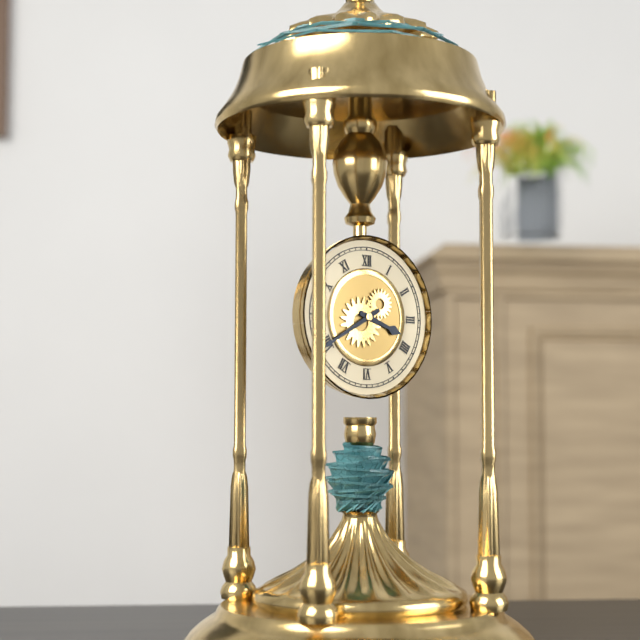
3:40
